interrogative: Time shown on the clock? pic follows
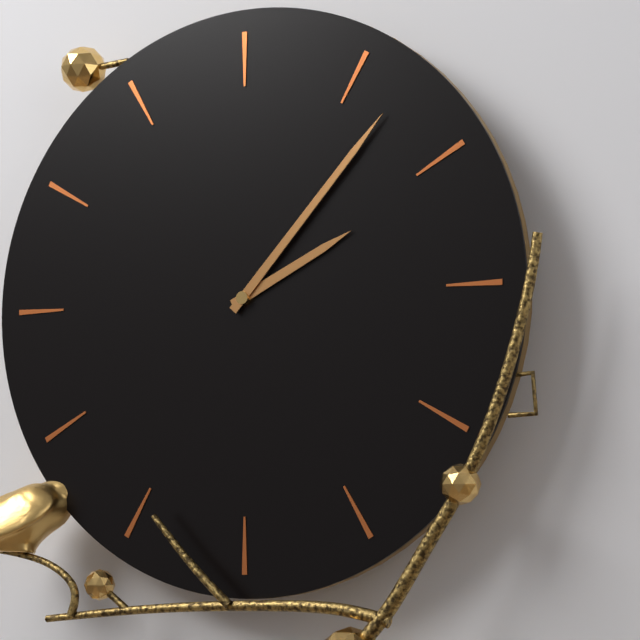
2:07
